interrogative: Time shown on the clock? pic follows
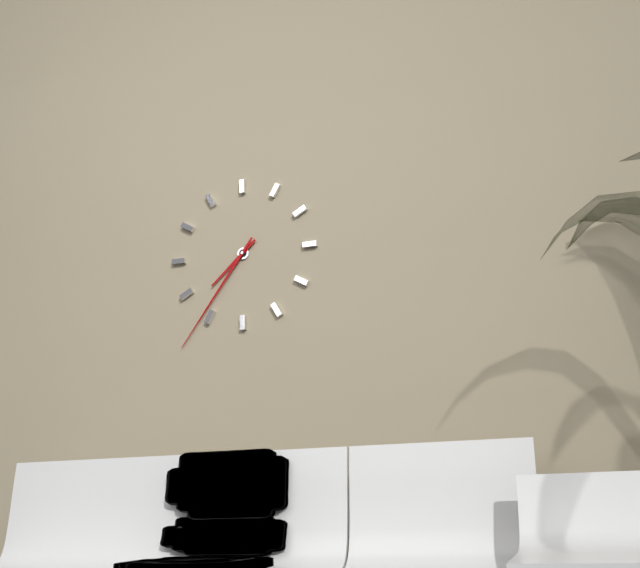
7:36
